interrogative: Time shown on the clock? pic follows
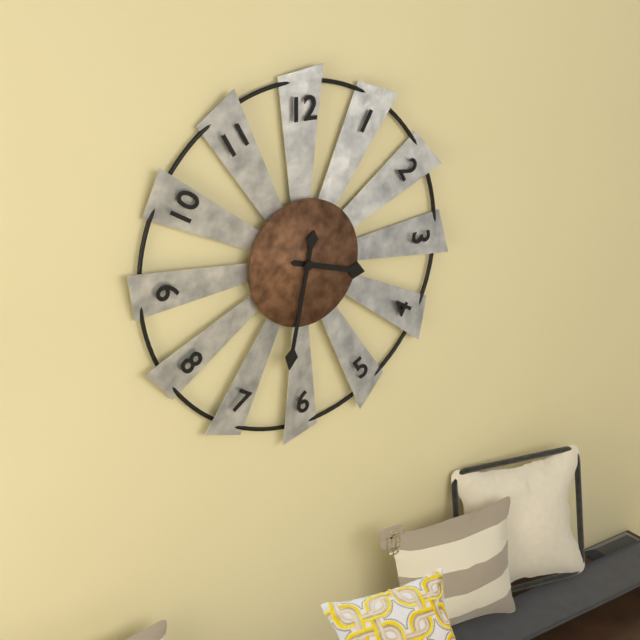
3:32
